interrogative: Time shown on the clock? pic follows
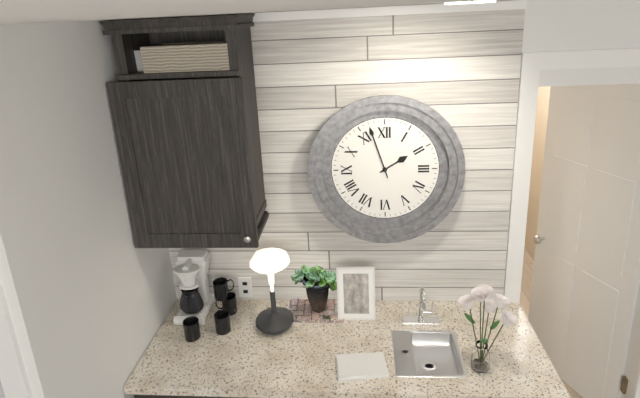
1:57
